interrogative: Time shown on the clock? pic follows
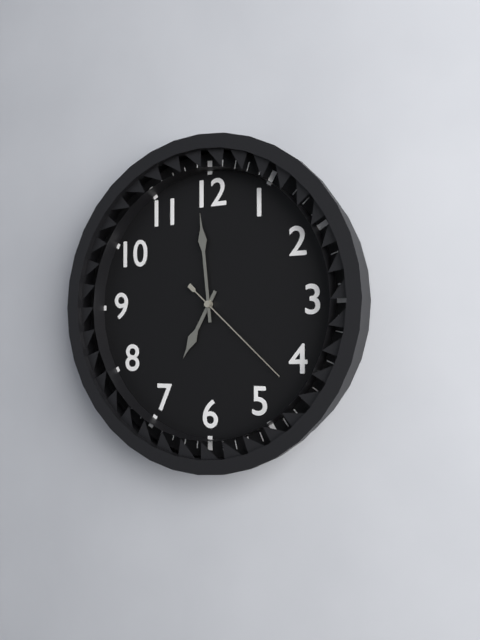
6:59:22
